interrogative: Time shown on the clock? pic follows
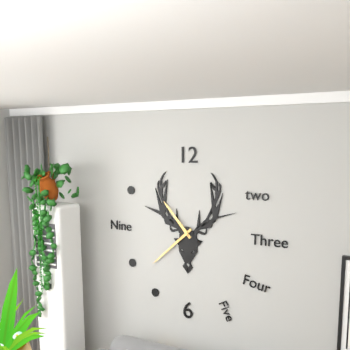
10:38
